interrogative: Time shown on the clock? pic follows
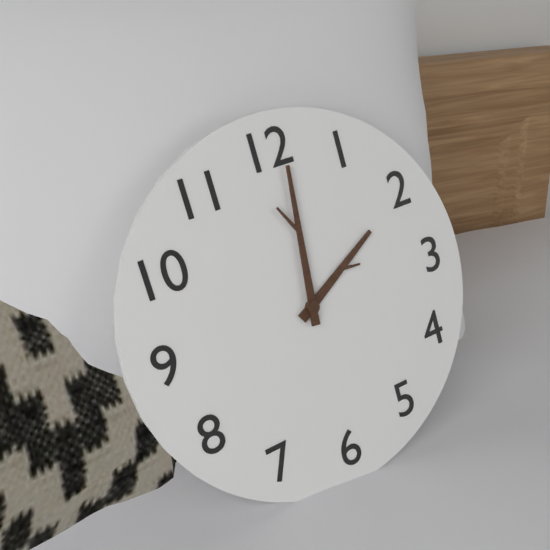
2:01
